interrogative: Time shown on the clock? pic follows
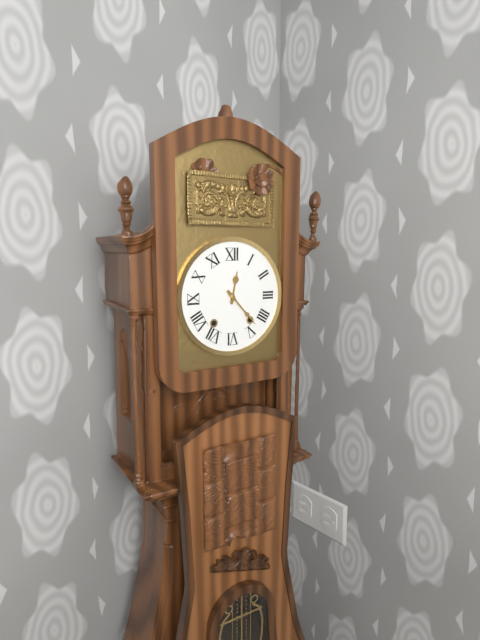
12:23
